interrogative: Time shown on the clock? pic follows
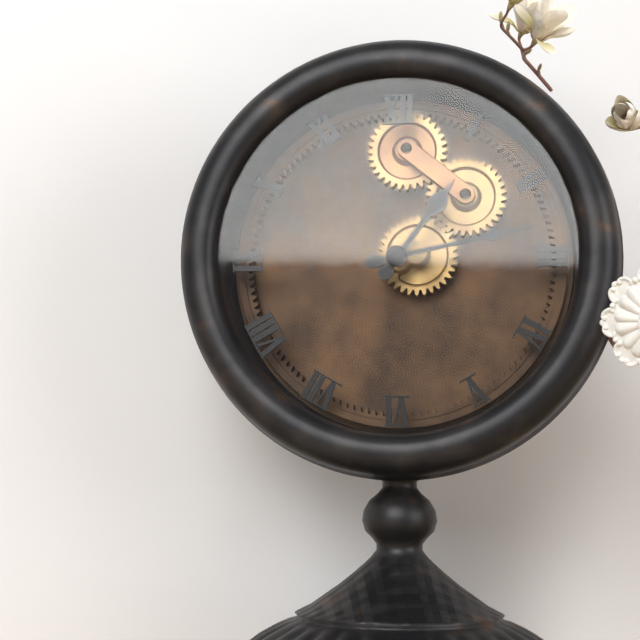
1:13
